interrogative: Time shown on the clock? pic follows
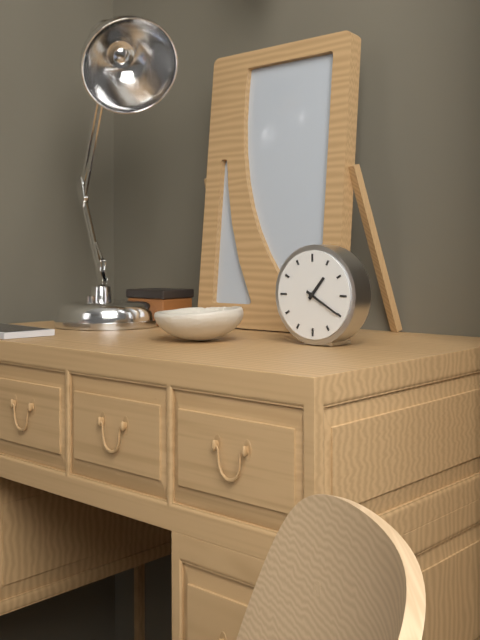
1:20
